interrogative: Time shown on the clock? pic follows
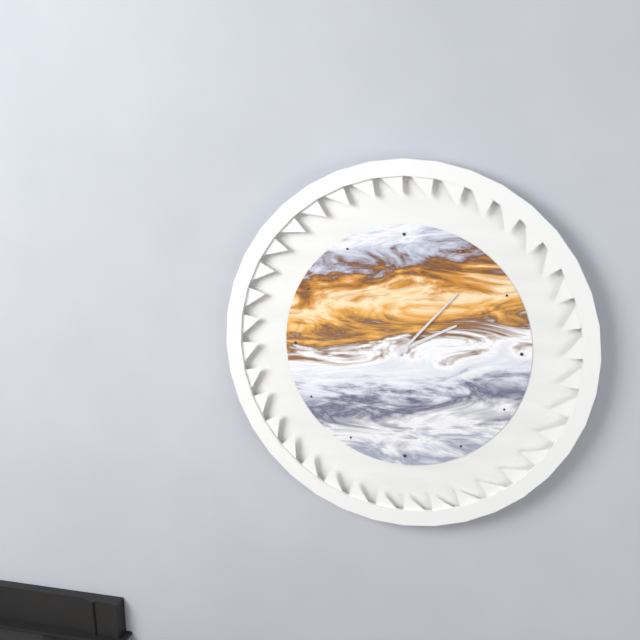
2:07
